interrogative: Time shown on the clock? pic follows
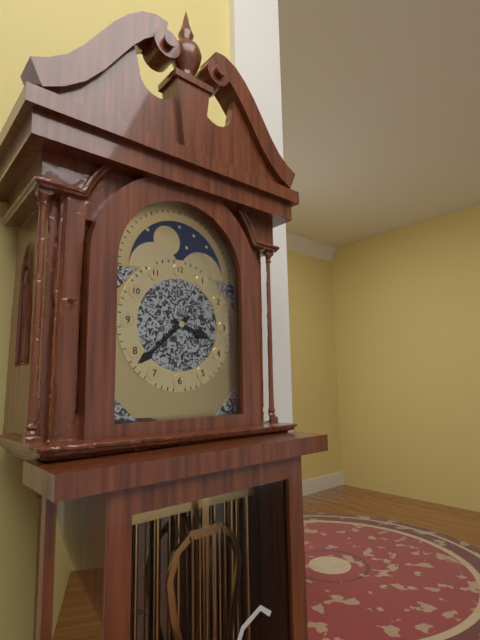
3:38
